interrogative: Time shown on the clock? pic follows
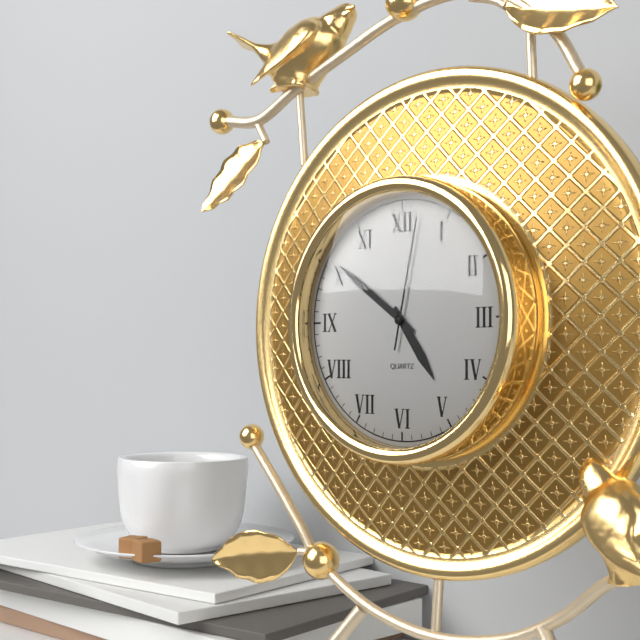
4:51:02
